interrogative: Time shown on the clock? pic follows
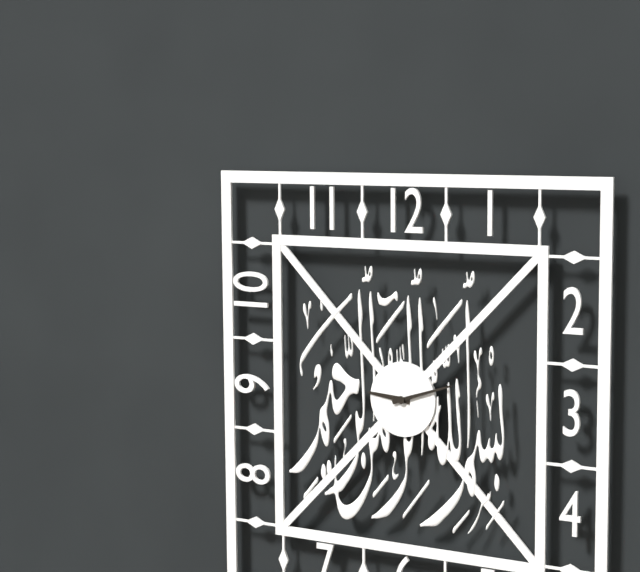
9:12
